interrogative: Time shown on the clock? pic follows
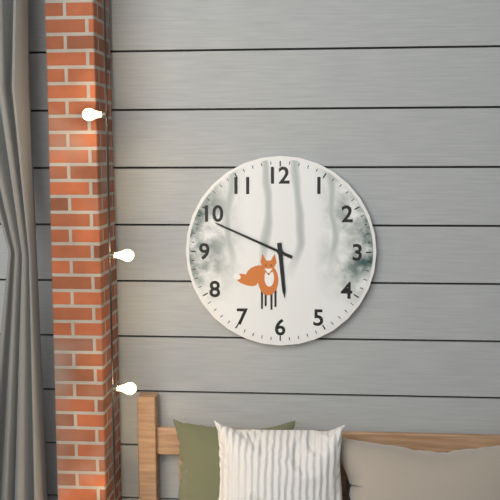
5:49
